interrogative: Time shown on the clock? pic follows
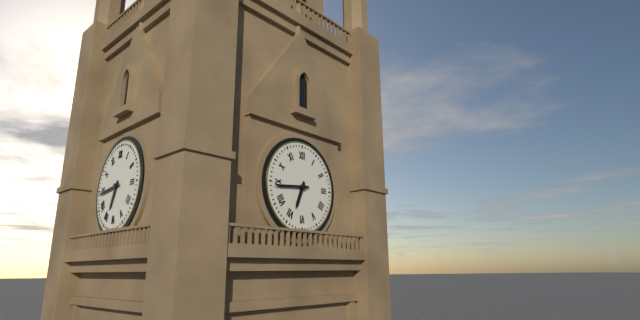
6:44
